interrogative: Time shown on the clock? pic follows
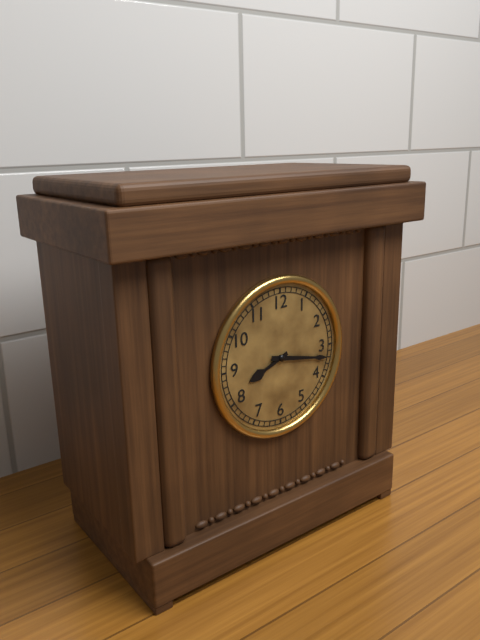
8:17
